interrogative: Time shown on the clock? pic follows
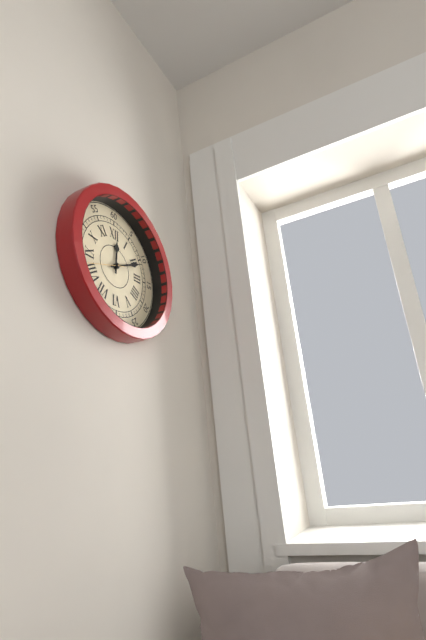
12:11
